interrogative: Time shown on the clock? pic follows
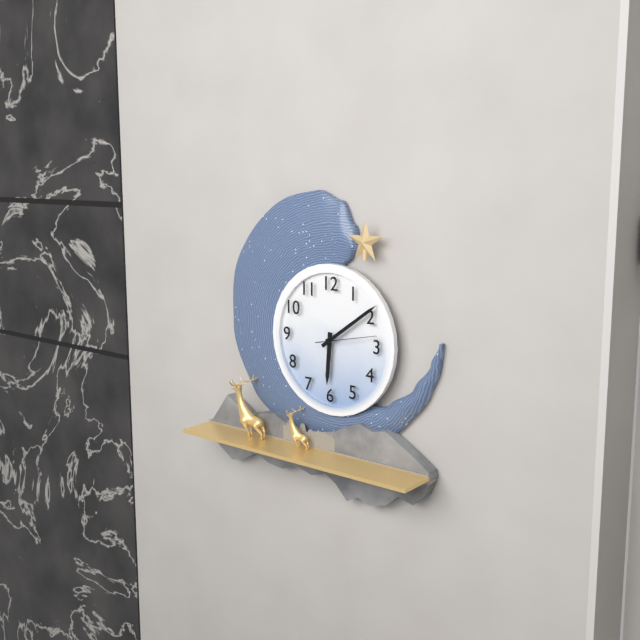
6:09:13
